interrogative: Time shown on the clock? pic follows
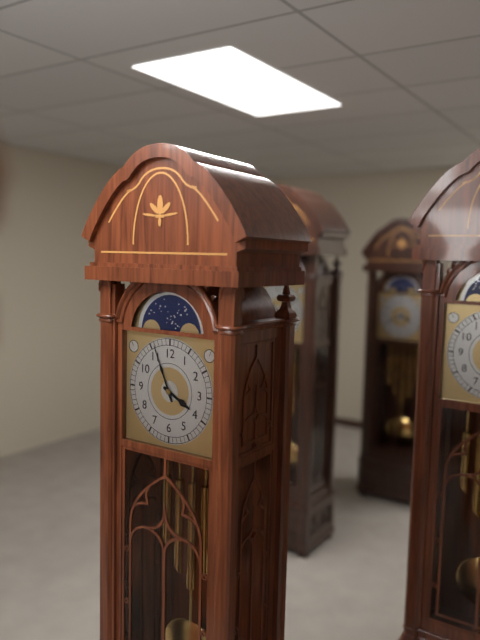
3:56
